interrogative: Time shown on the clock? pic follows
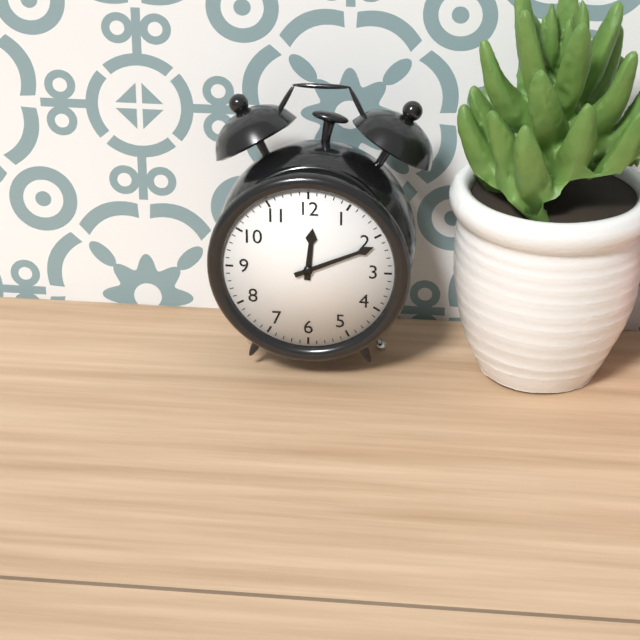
12:11
